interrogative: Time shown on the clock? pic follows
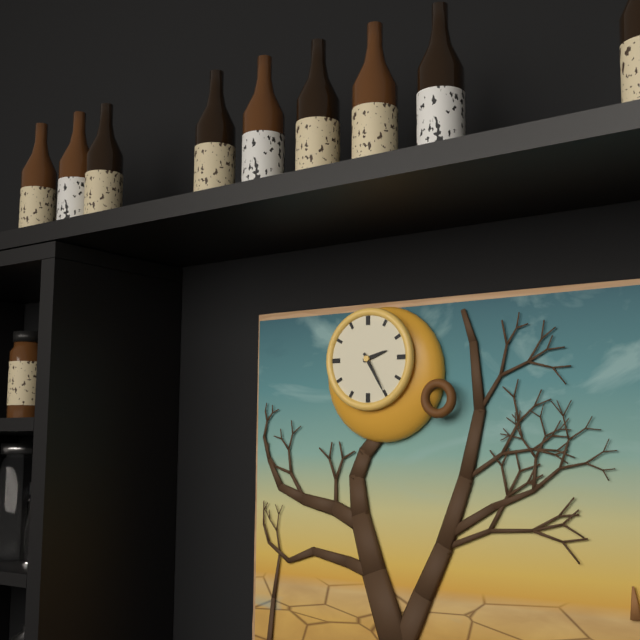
2:25
